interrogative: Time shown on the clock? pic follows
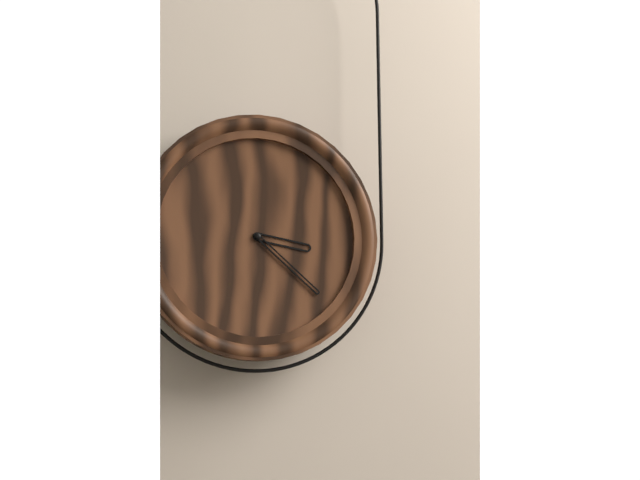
3:22
